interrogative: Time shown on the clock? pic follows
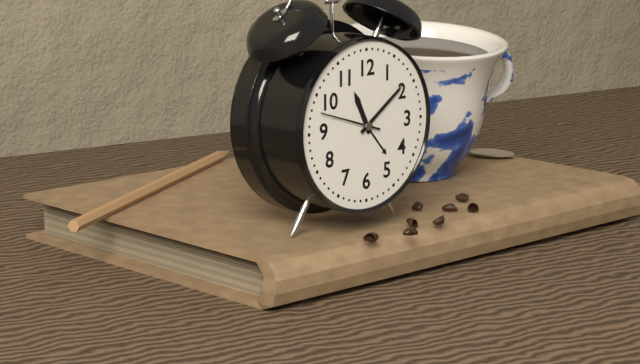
11:09:48
